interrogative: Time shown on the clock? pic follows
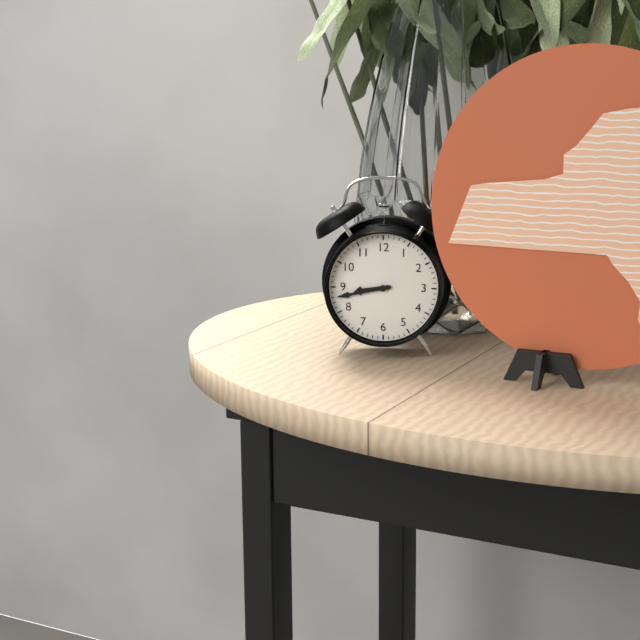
8:43
